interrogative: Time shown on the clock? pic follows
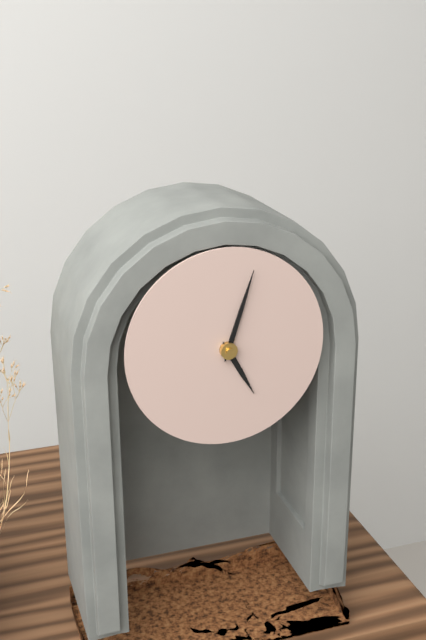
5:03
